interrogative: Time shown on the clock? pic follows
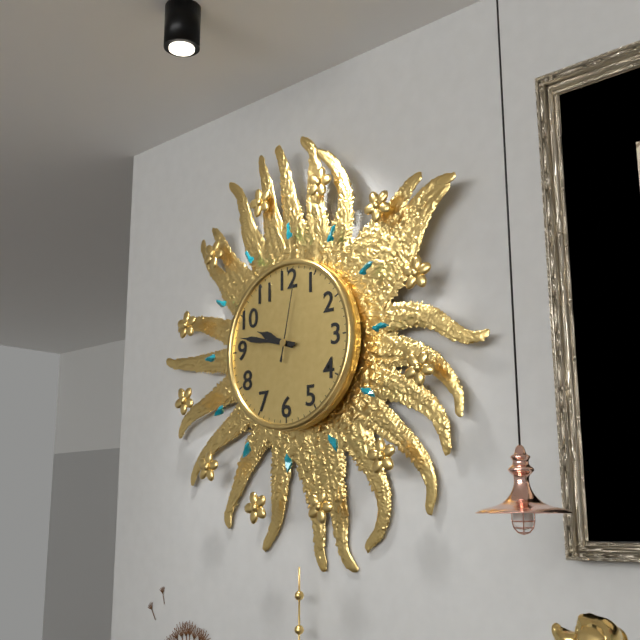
9:47:02
